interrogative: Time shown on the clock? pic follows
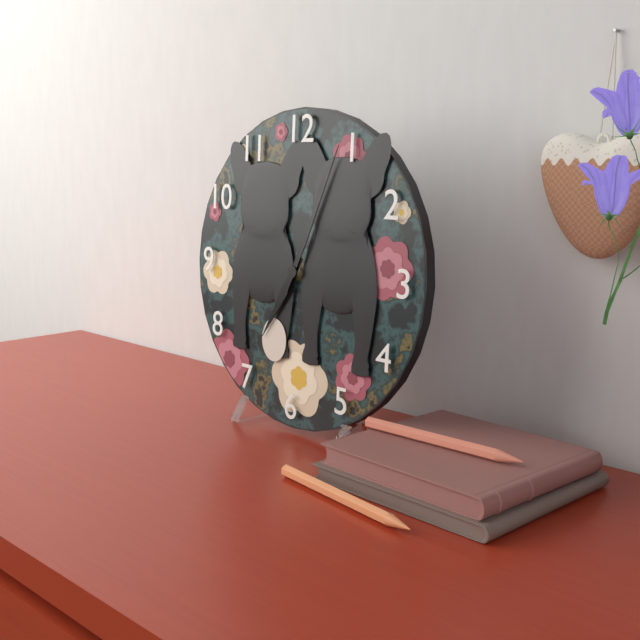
7:04
